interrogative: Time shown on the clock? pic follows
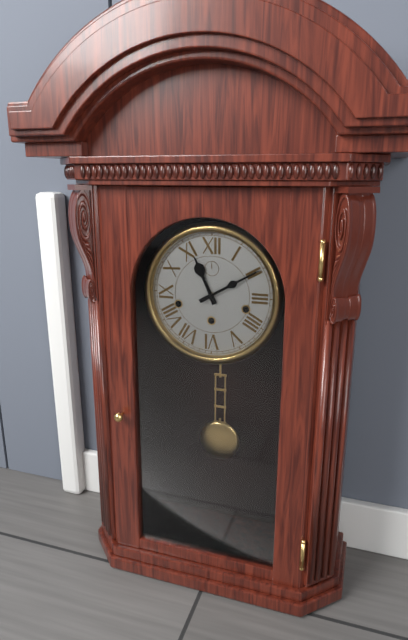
11:10
